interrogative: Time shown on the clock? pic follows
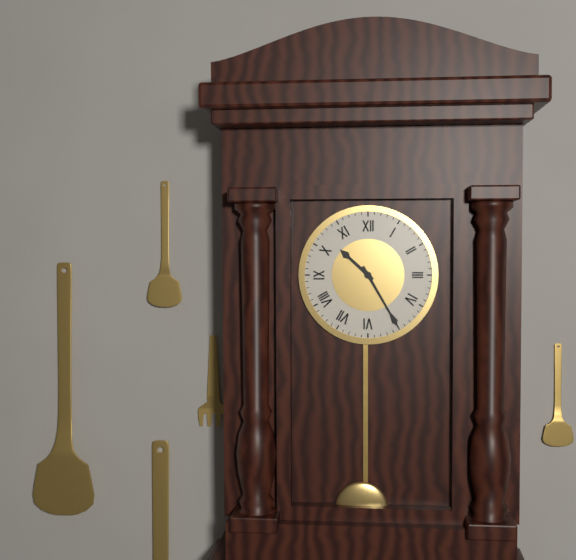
10:25
